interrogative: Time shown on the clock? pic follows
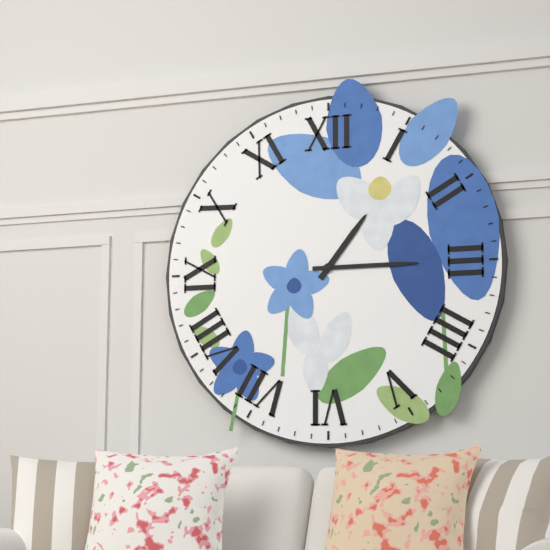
1:15
